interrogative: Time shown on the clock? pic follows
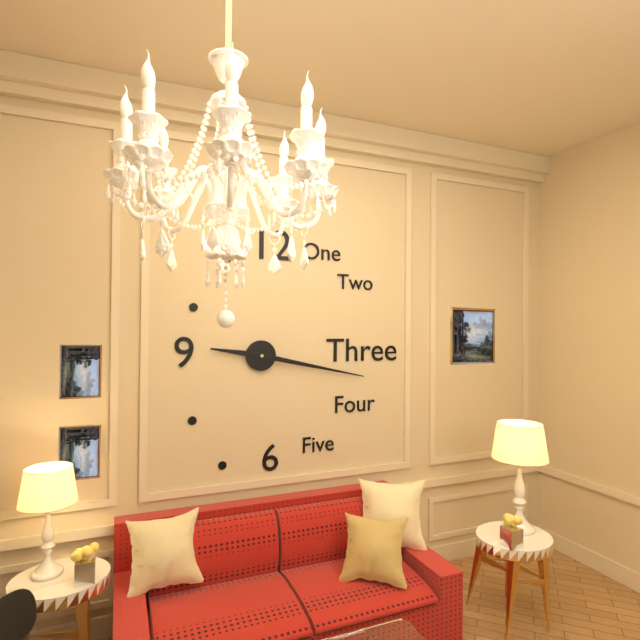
9:17
